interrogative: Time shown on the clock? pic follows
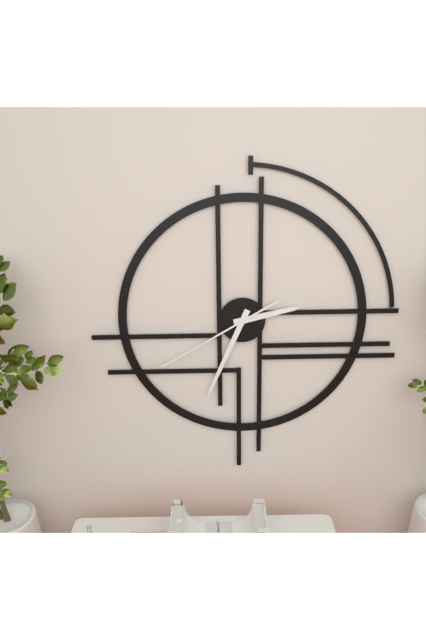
2:34:40
